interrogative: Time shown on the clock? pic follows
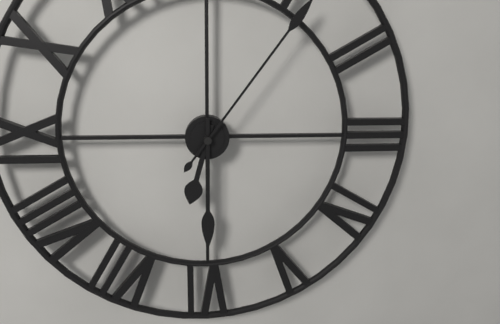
6:30
